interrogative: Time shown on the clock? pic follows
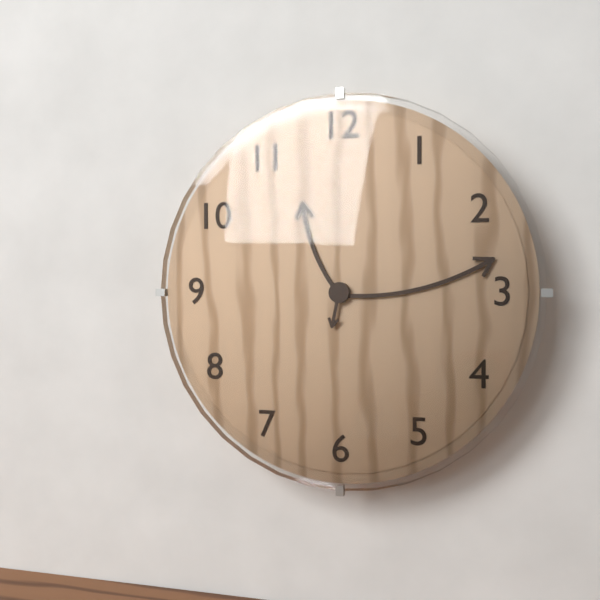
11:13
